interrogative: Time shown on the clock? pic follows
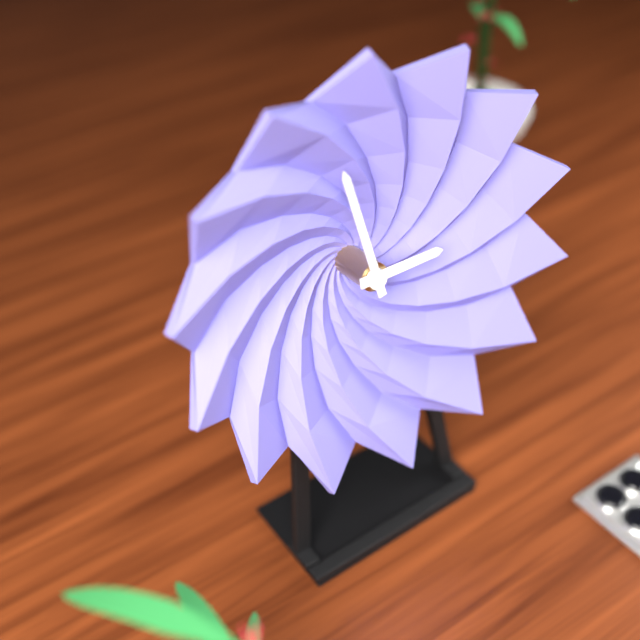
2:58
